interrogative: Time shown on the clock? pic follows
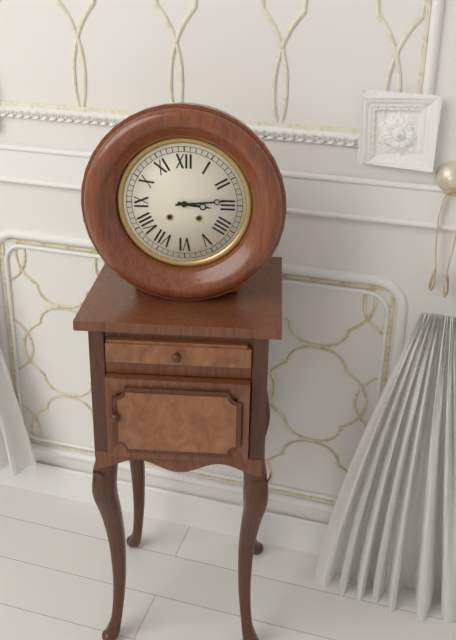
3:14
